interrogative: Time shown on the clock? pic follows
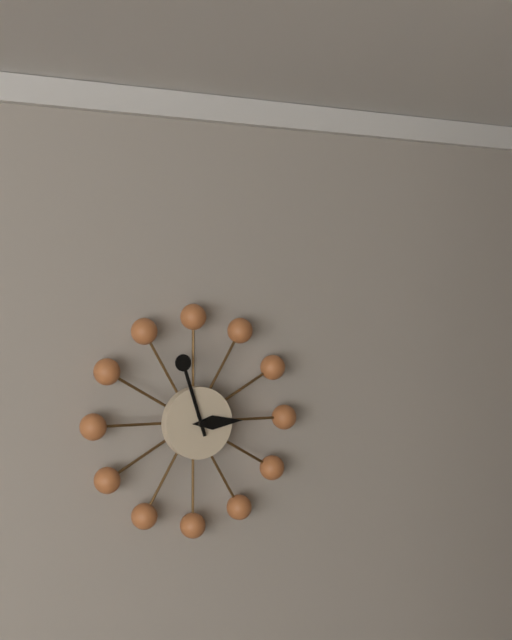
2:57
